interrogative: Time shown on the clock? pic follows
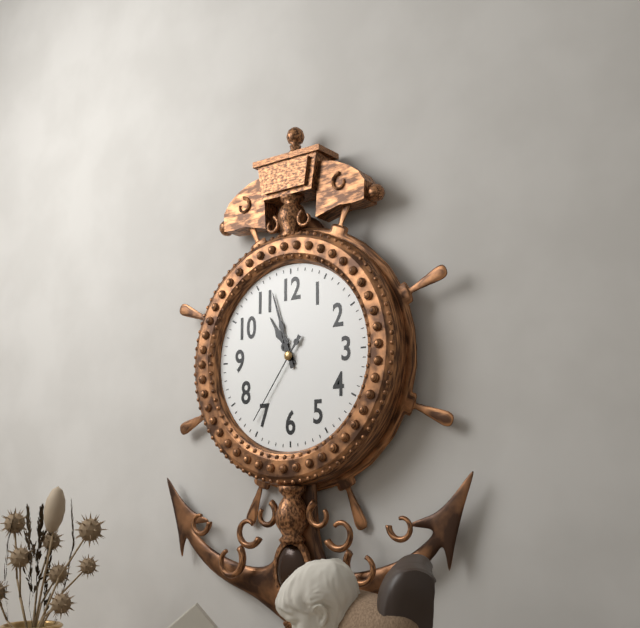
10:57:36
